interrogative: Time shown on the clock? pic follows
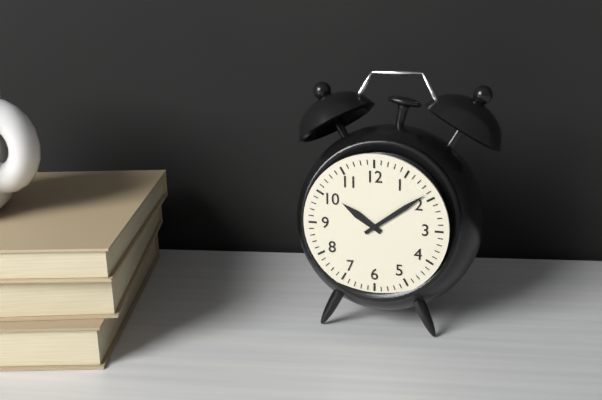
10:09
